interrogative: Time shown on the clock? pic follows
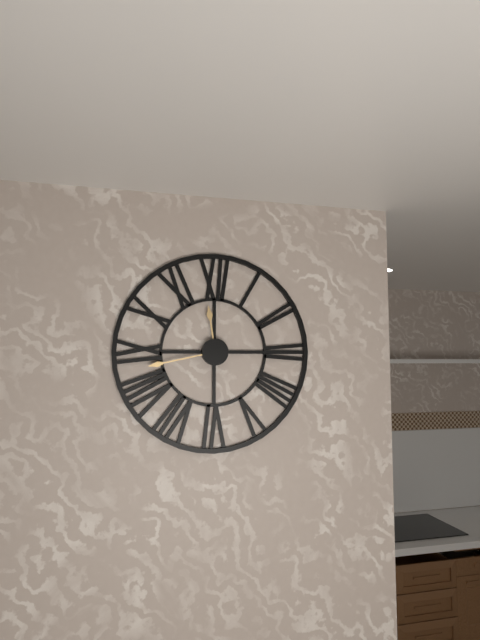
11:43
